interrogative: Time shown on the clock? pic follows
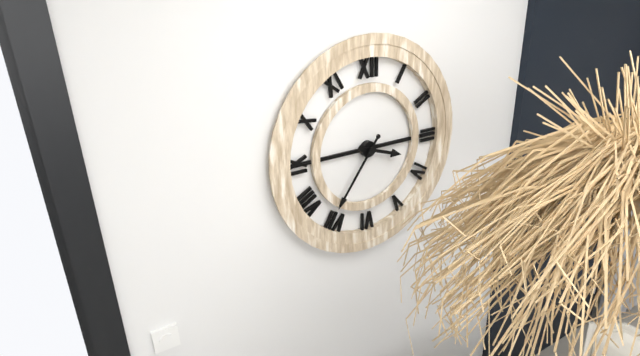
3:36
